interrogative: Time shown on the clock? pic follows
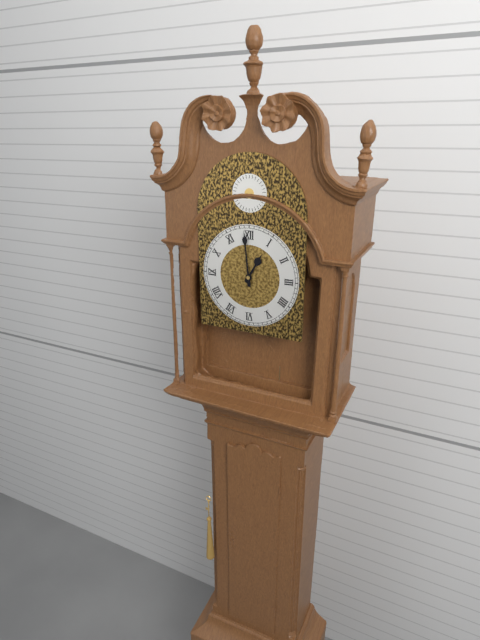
12:59
